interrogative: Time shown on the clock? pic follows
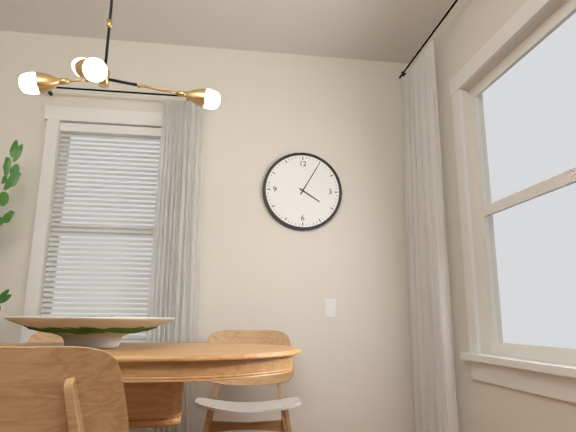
4:05
